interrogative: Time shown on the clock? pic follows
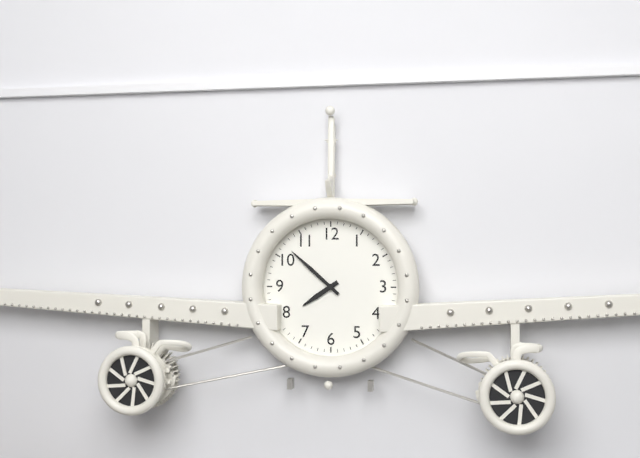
7:52
